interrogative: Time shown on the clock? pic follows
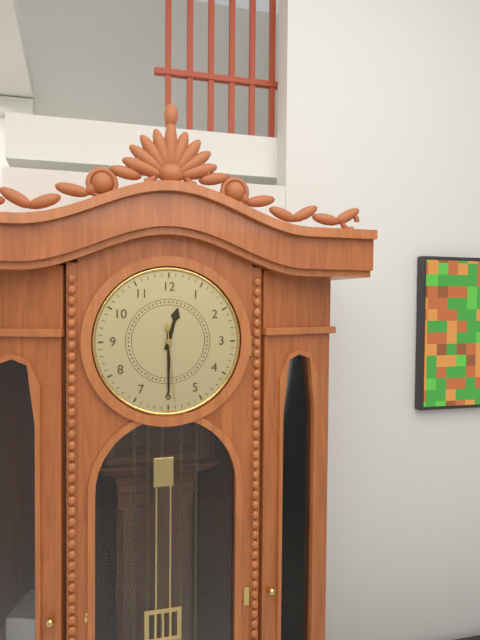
12:30:29
